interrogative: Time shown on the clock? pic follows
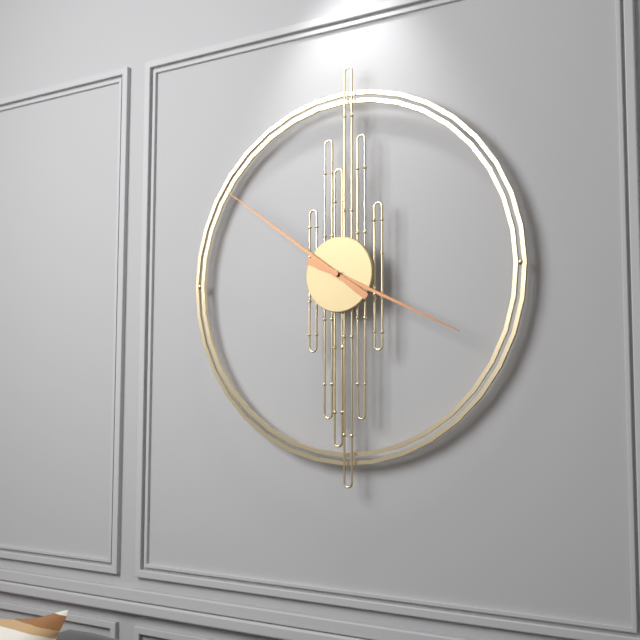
3:51
